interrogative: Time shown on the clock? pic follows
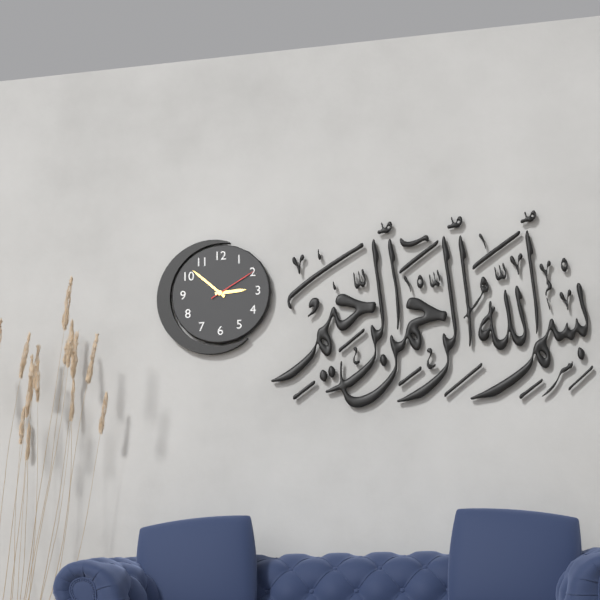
2:52:10
